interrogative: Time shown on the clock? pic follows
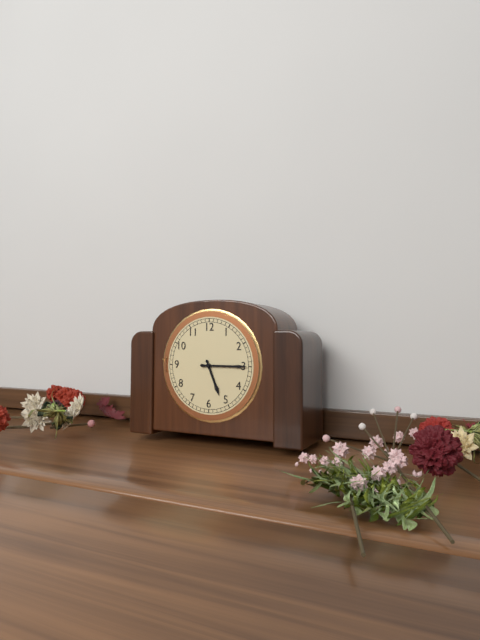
5:15
